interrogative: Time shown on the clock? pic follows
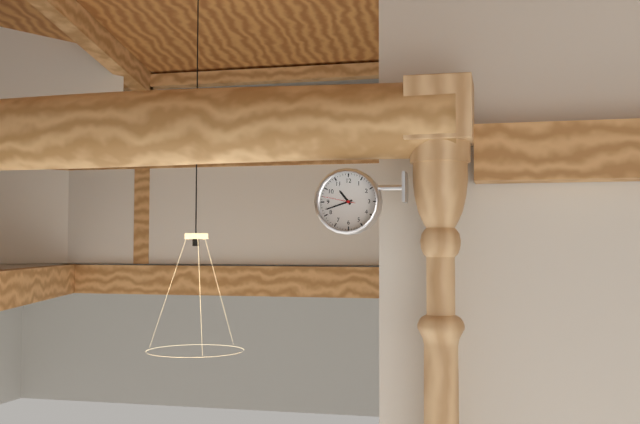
10:42
